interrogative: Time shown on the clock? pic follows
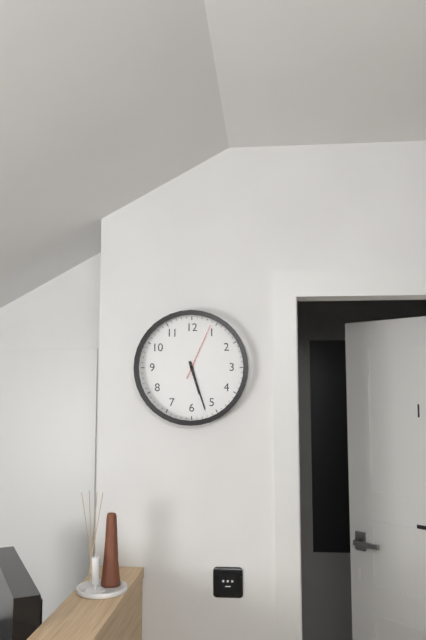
5:27:04
